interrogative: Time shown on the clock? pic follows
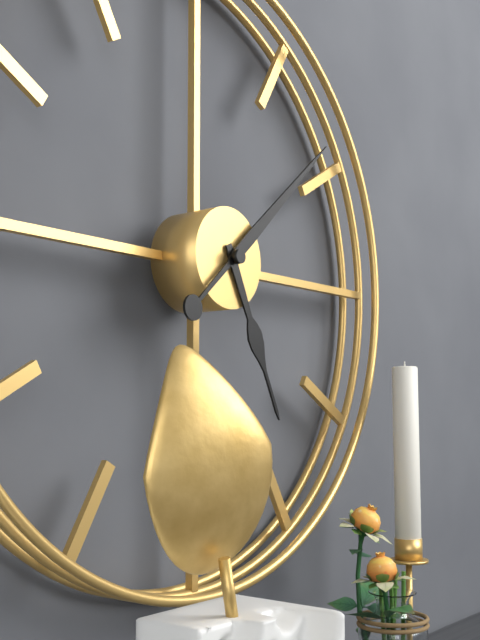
5:08
